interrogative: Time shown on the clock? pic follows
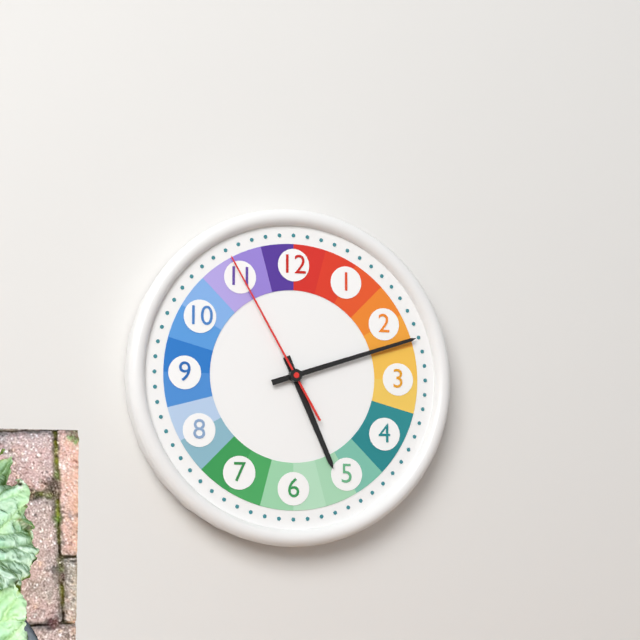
5:12:55
